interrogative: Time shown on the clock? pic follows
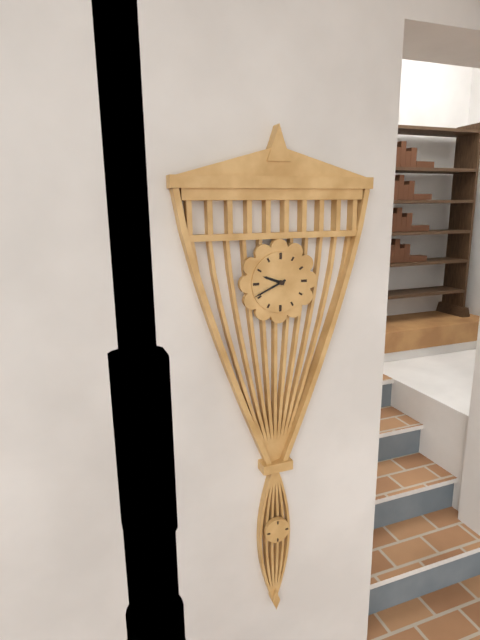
9:41
